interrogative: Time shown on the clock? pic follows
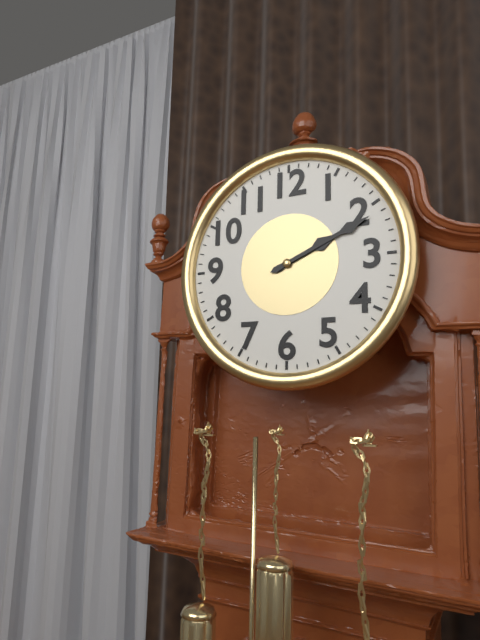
2:11
